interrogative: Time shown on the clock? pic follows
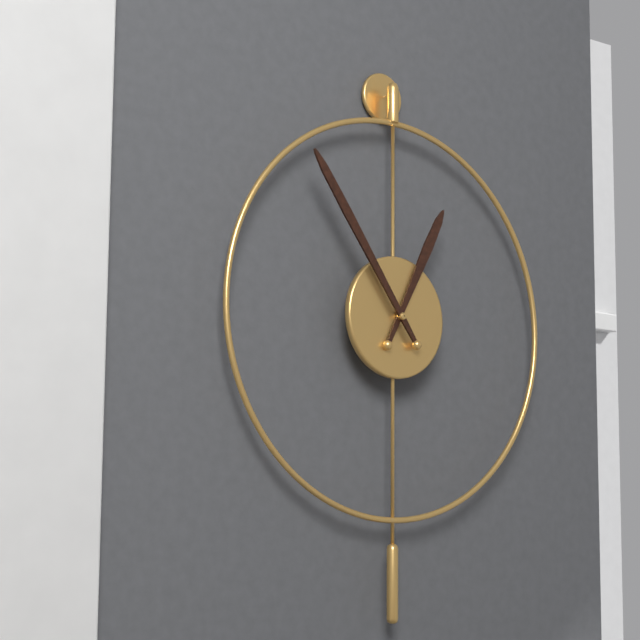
12:54
